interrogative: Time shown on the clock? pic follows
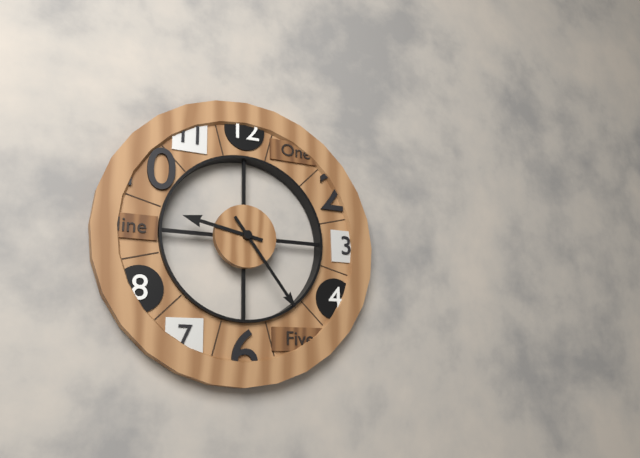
9:24
